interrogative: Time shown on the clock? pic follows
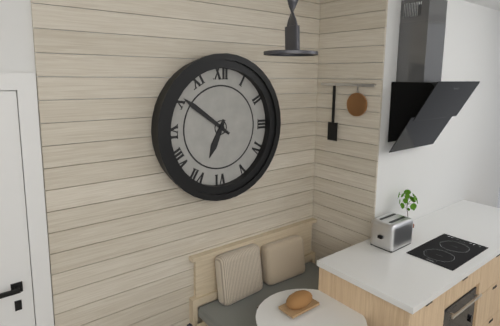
6:51
